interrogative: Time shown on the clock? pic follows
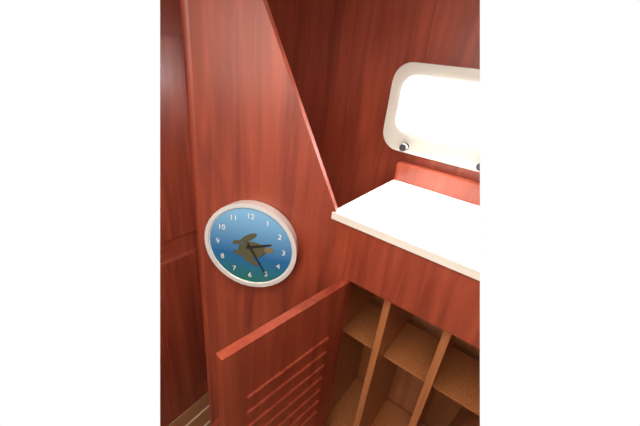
2:25
